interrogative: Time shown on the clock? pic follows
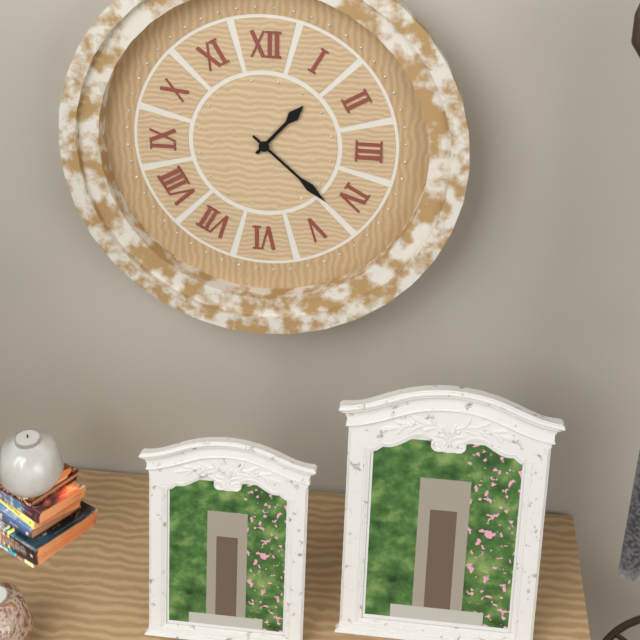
1:22
